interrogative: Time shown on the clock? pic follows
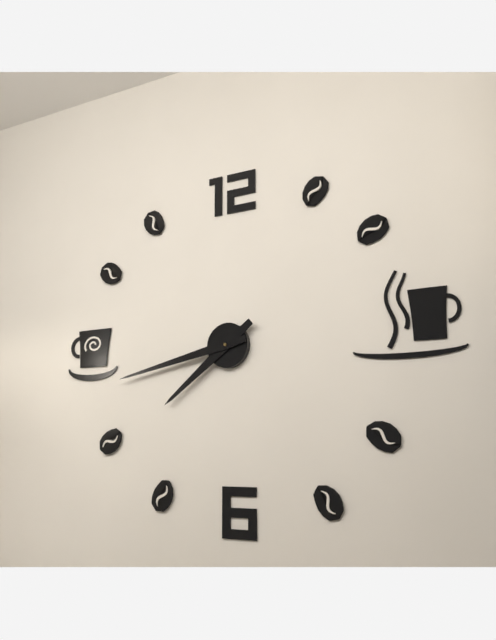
7:43
